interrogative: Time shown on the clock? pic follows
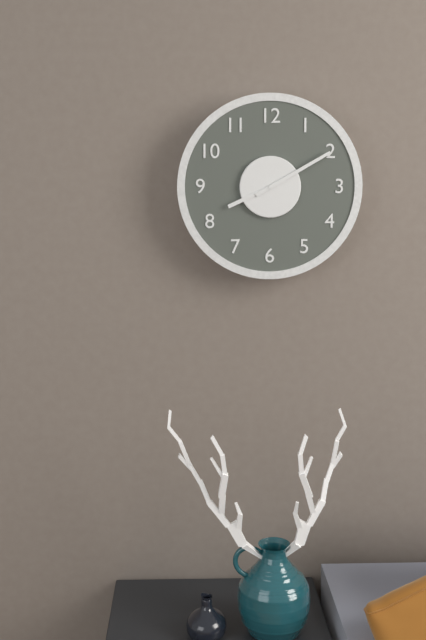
8:10
